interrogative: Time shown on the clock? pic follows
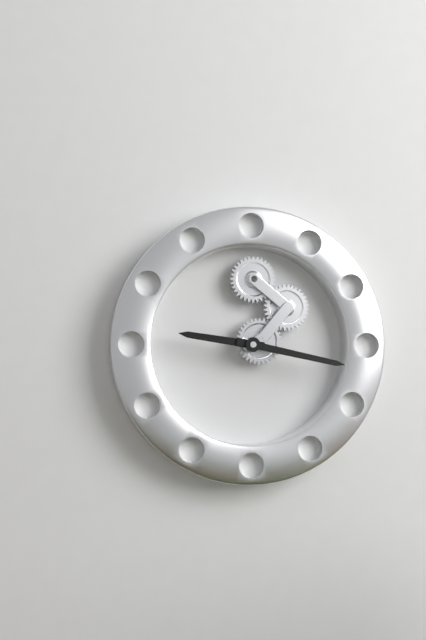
9:17
